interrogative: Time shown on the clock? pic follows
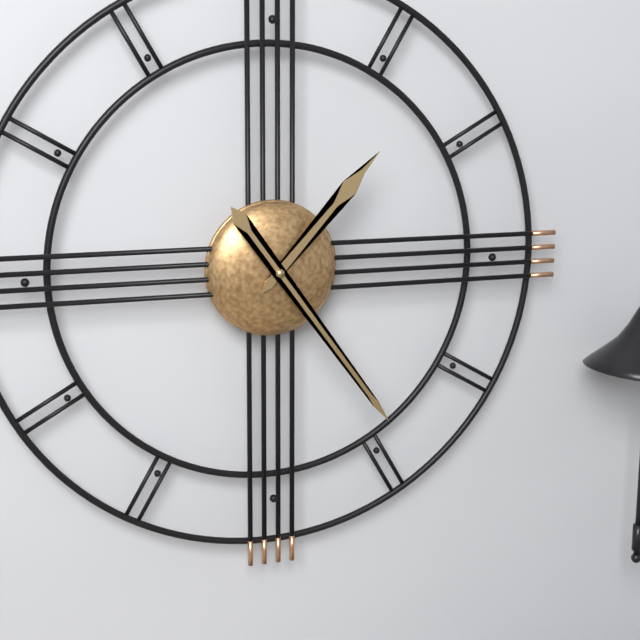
1:24
